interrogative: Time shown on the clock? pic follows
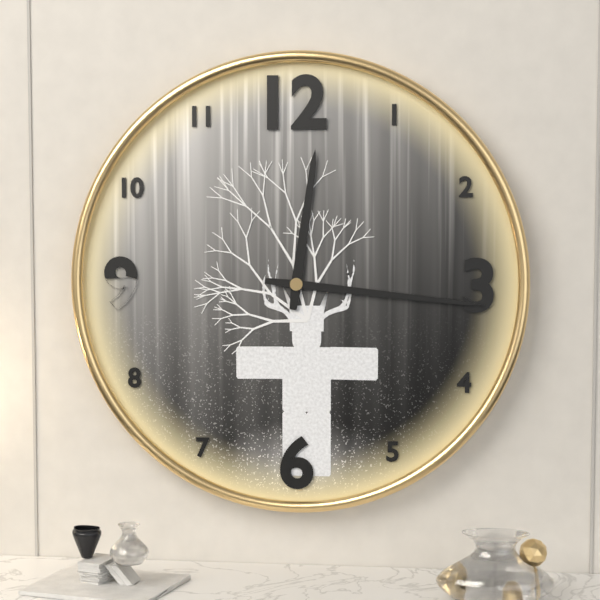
12:16
